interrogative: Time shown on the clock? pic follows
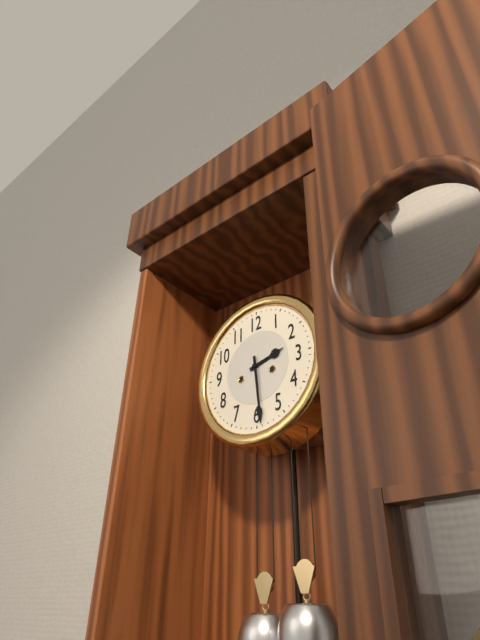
2:29
